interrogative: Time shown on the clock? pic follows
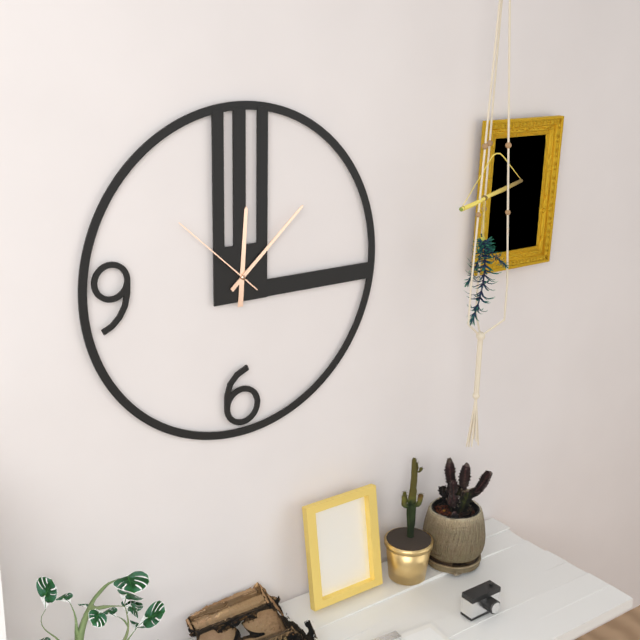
12:08:52
